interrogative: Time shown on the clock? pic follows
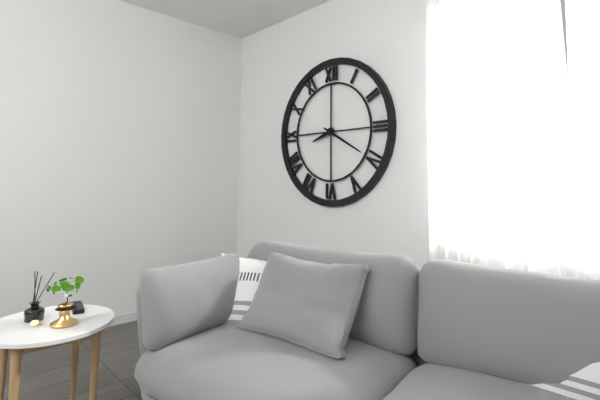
8:20
